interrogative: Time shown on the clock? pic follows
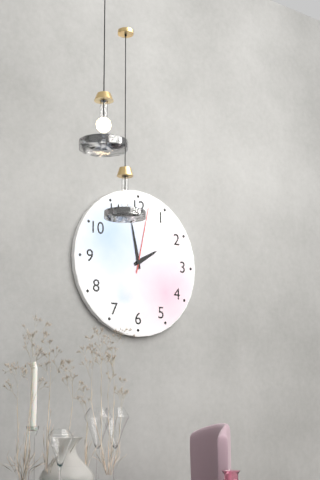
1:58:02
